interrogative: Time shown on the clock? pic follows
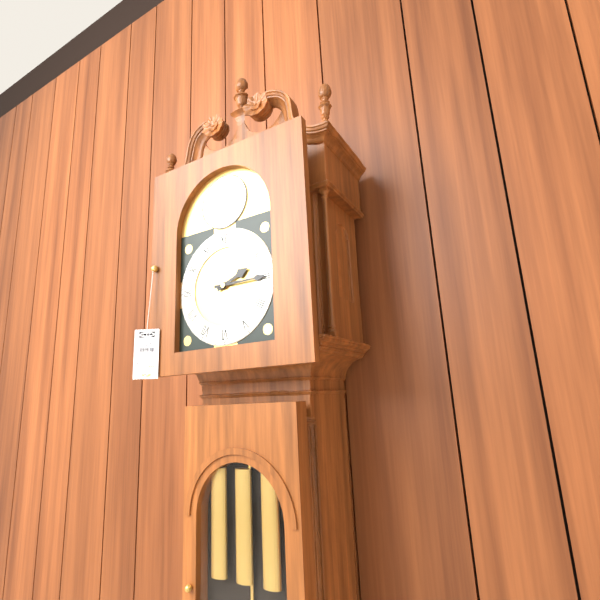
2:15
